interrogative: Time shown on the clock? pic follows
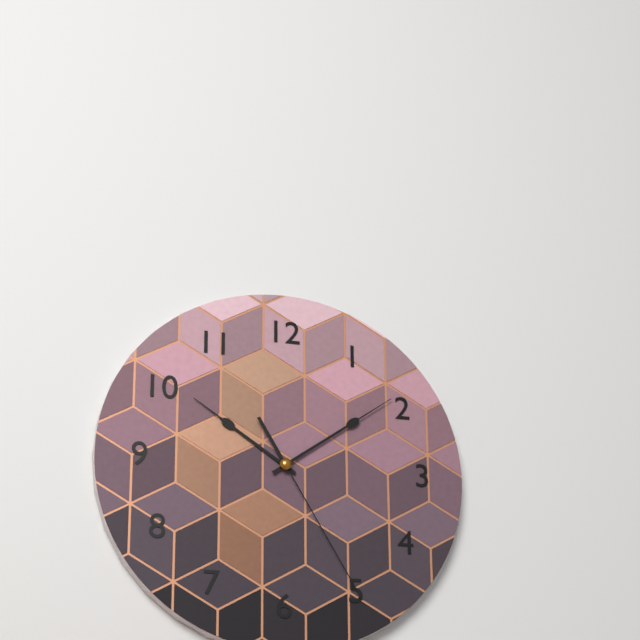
10:09:25
